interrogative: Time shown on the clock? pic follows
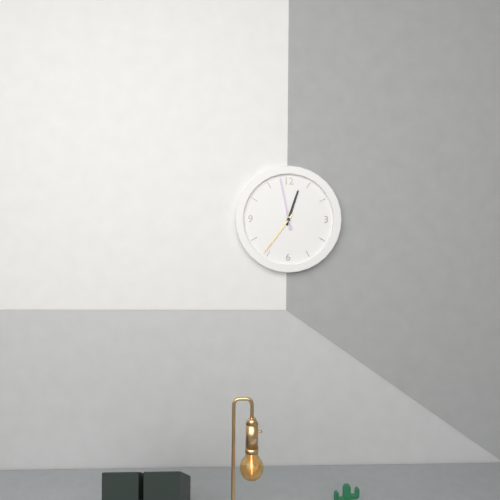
12:36:58
